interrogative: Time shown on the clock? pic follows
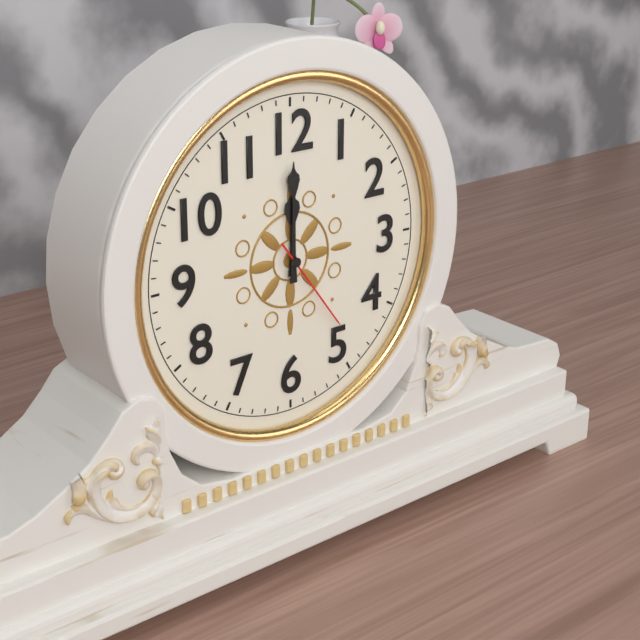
12:00:24
